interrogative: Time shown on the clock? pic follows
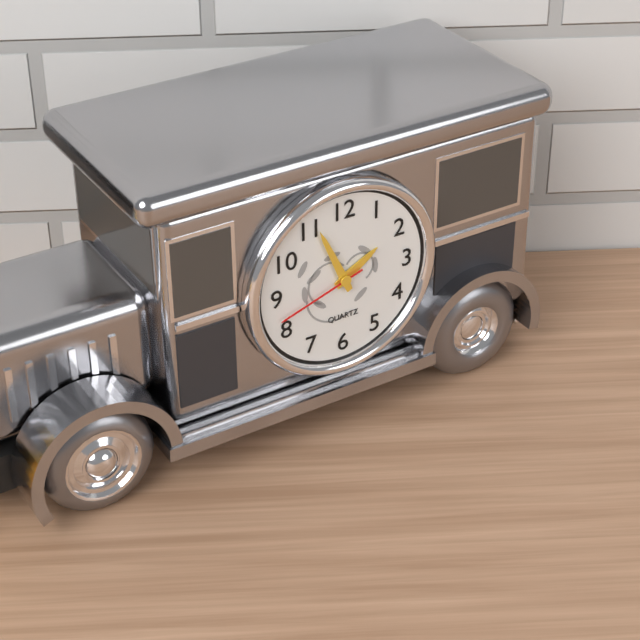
1:56:42
